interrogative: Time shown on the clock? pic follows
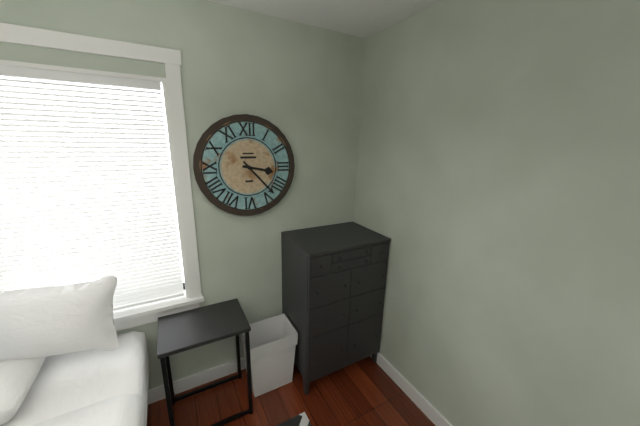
3:23
